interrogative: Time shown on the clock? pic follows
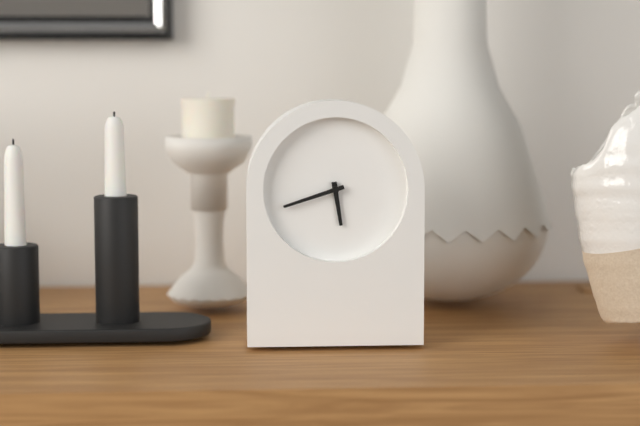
5:42
